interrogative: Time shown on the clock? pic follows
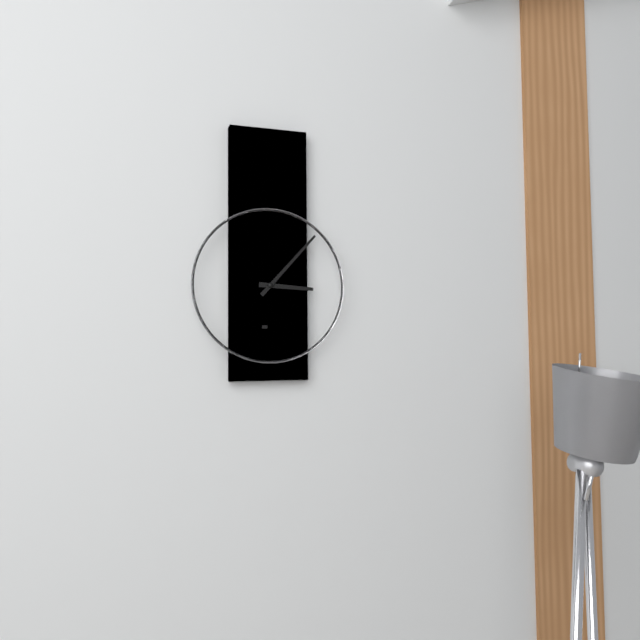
3:07
